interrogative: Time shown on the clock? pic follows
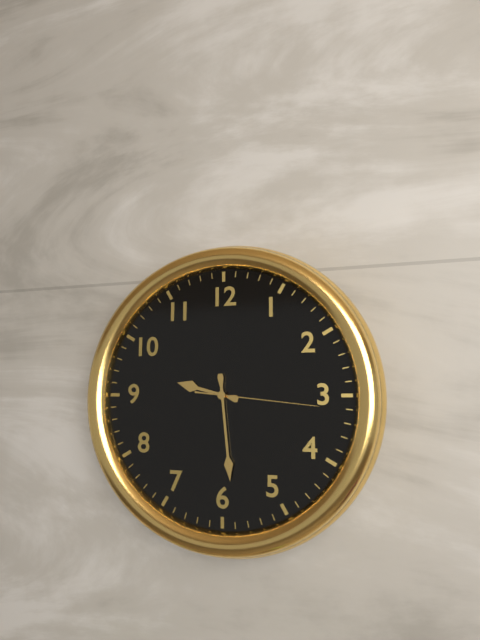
9:29:16
